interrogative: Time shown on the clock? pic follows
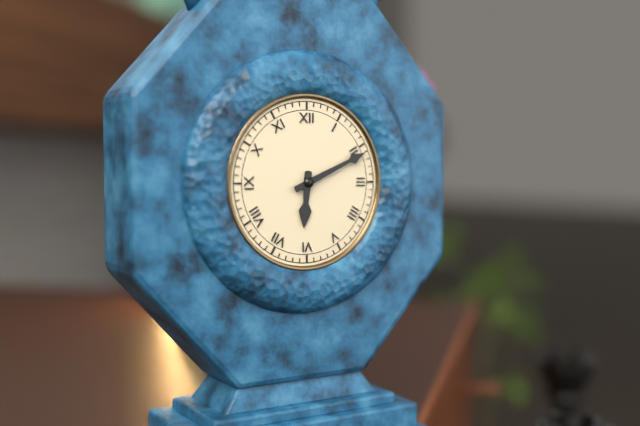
6:11
